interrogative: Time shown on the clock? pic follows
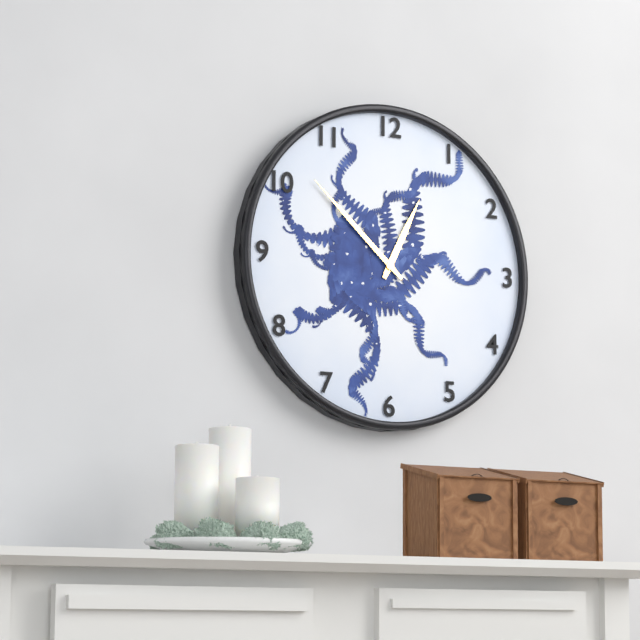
12:52
